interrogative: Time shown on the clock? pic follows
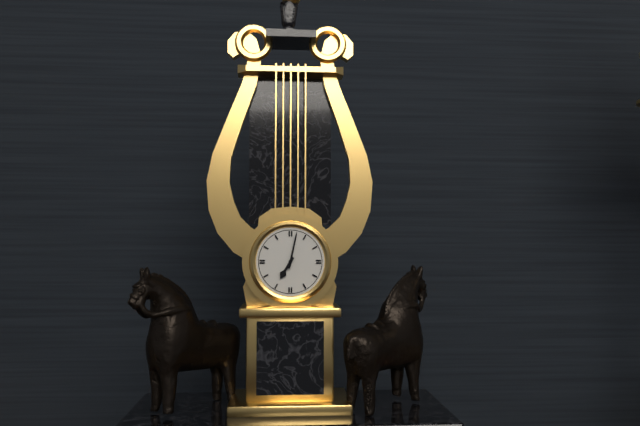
7:02
